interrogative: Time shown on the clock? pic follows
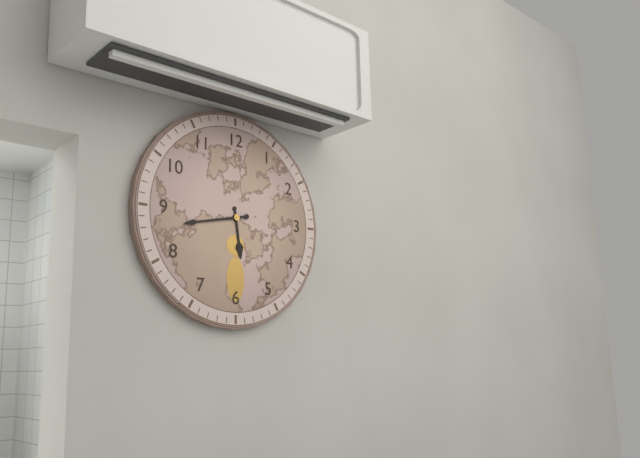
5:43
